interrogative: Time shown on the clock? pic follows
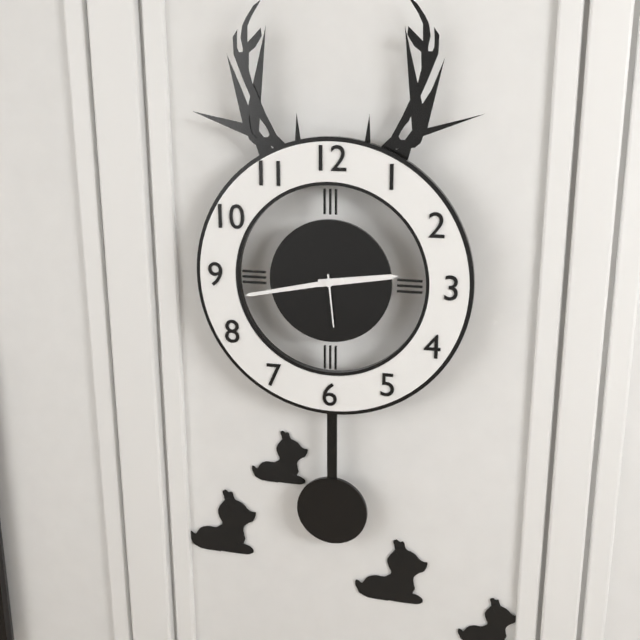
2:43:29
